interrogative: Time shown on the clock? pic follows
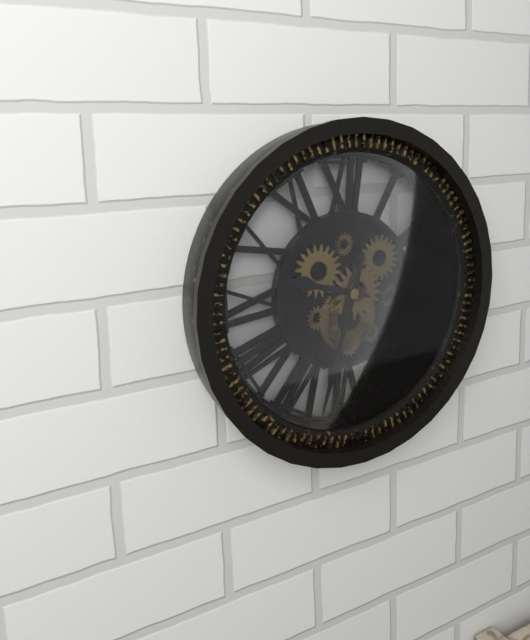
9:33
